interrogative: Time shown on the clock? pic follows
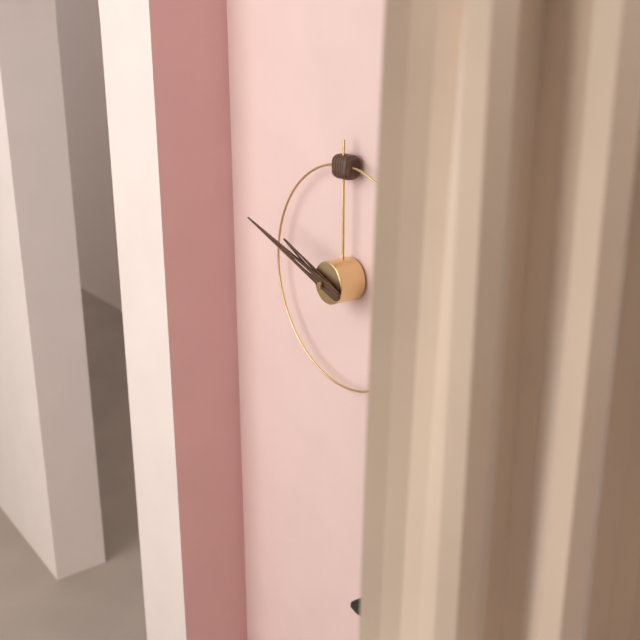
9:48
